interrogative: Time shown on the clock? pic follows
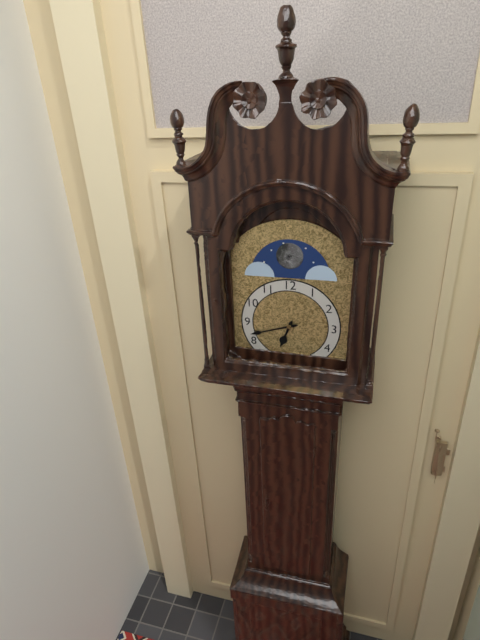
6:42
